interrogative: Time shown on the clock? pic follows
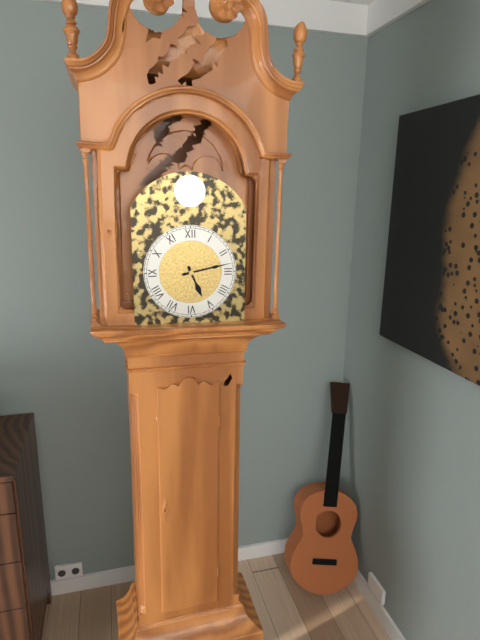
5:13
